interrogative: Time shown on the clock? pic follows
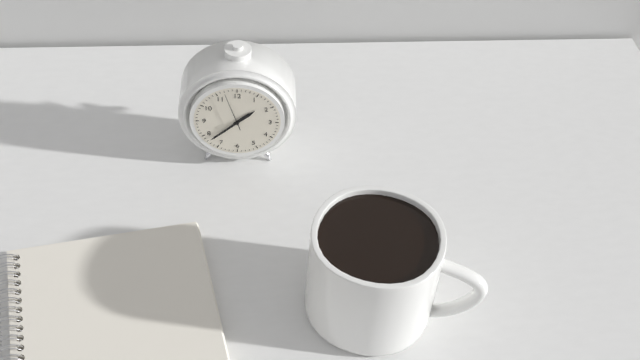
1:38
